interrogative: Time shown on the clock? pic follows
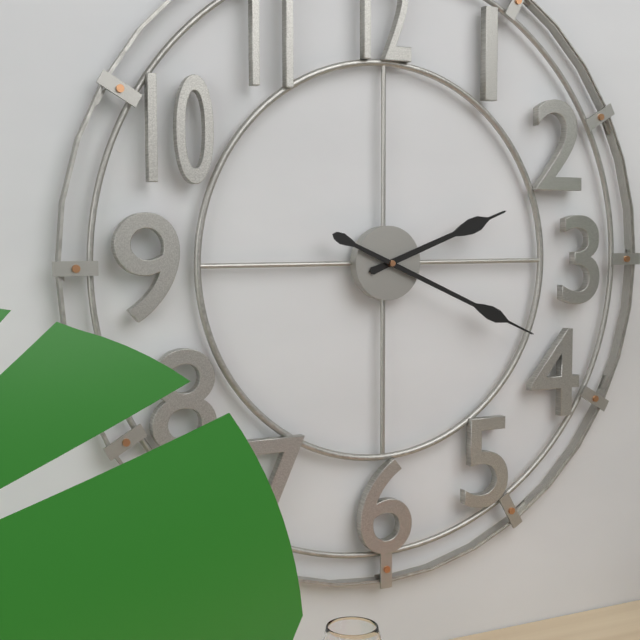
2:19
